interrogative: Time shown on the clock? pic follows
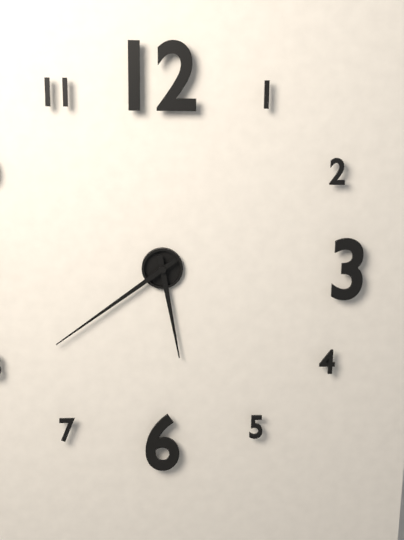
5:39
